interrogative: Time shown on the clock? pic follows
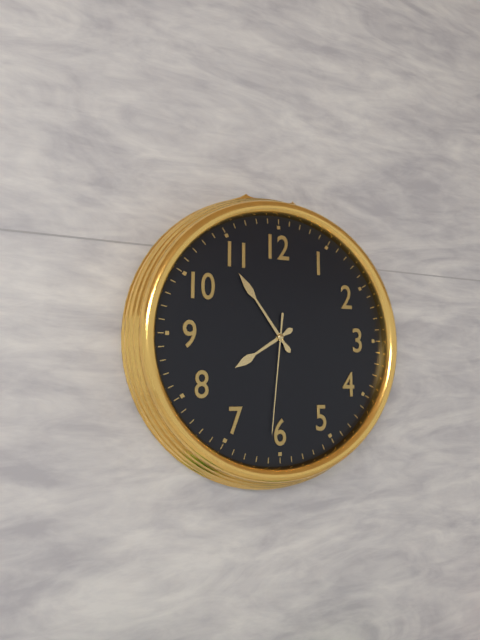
7:54:31
